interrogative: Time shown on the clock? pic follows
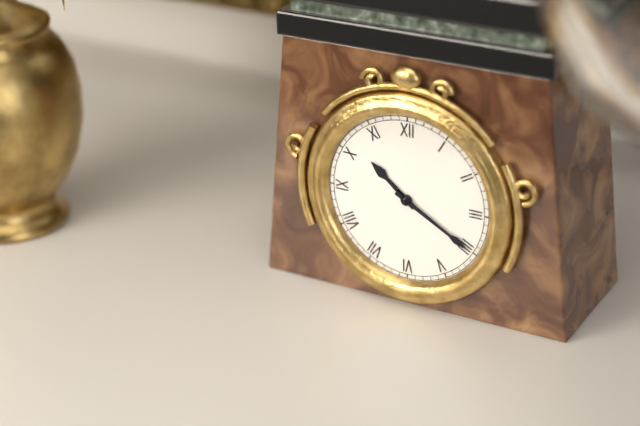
10:20
